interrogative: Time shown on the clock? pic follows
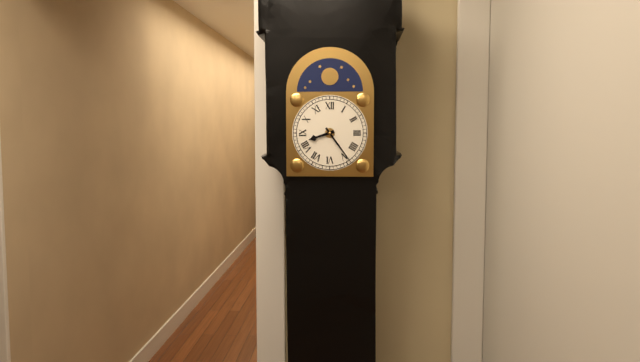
8:24
